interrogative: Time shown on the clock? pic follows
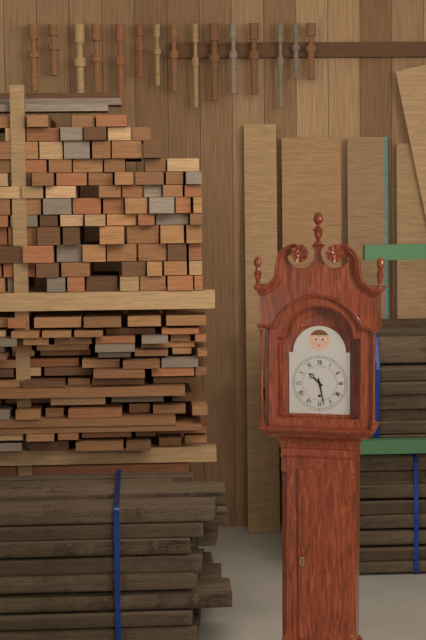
10:28
